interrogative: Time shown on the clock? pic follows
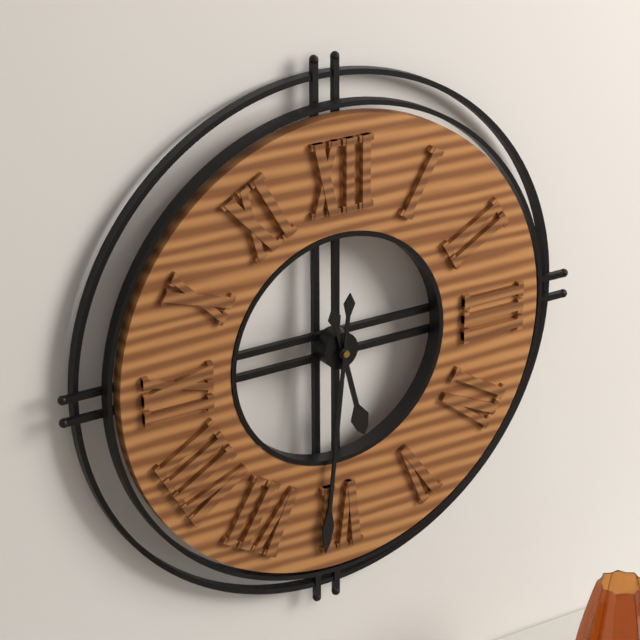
5:31
